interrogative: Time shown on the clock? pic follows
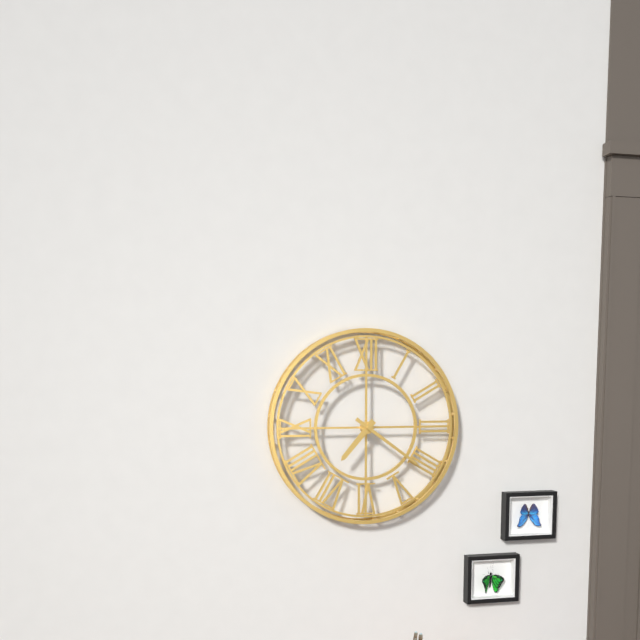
7:21
